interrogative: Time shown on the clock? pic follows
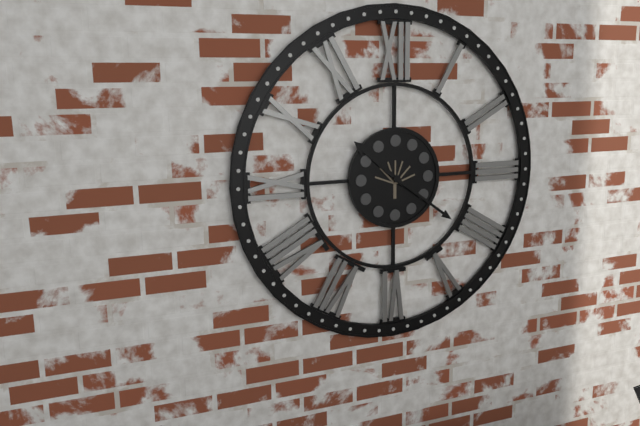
10:21
